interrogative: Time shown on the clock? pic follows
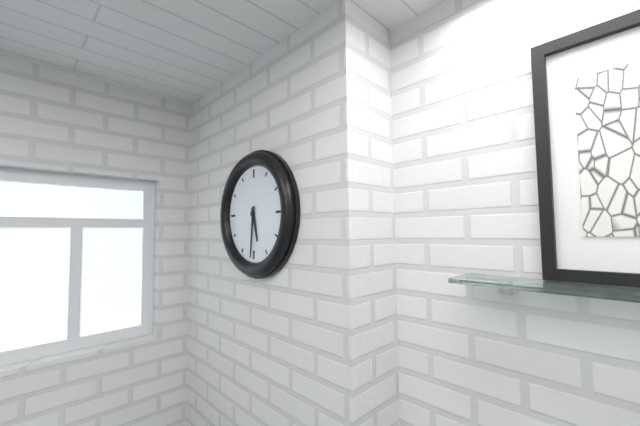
5:31
